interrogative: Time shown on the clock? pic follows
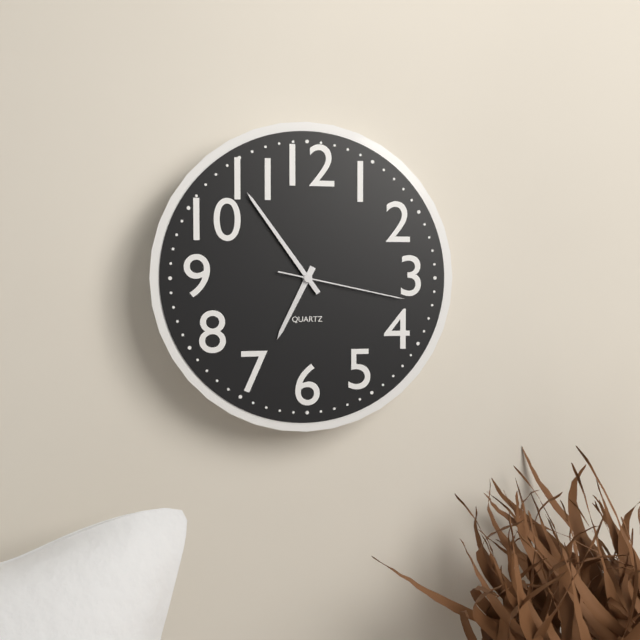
6:54:17
